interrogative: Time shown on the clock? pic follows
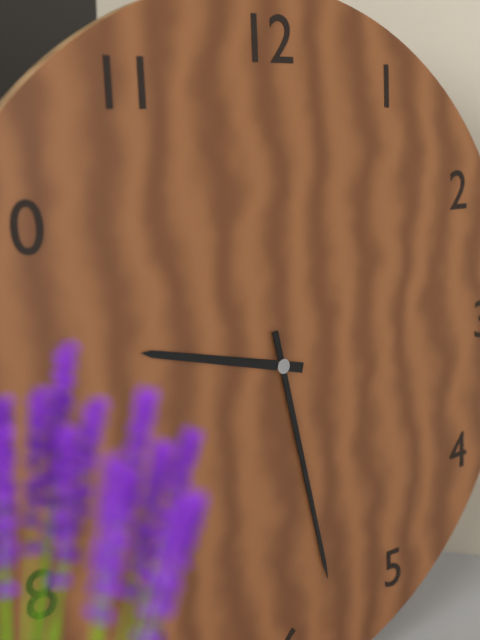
9:28
